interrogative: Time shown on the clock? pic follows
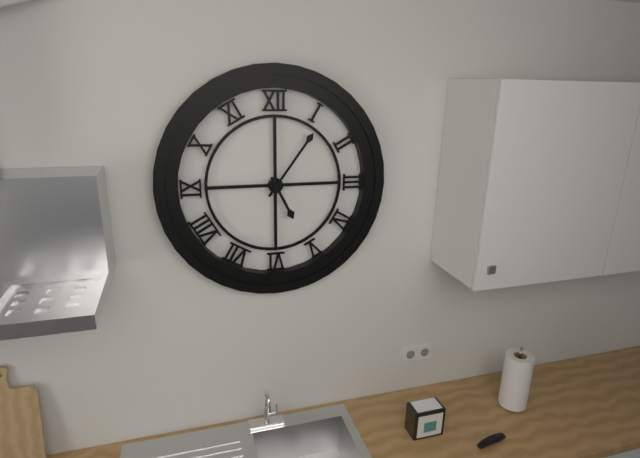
5:06
